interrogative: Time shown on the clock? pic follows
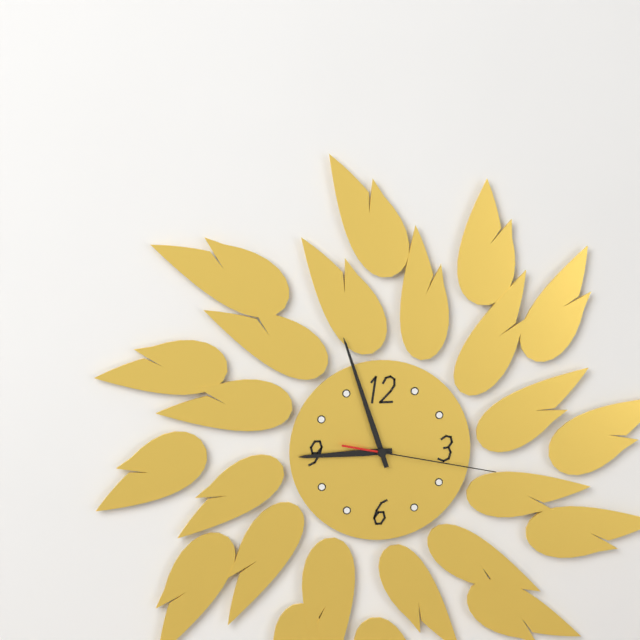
8:57:17
